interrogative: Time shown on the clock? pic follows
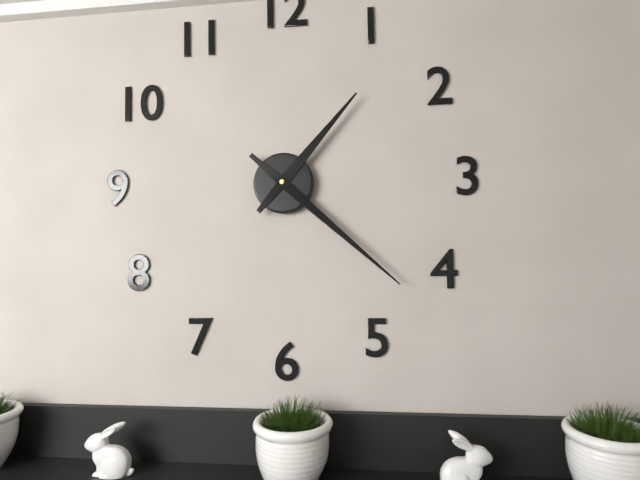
1:22
